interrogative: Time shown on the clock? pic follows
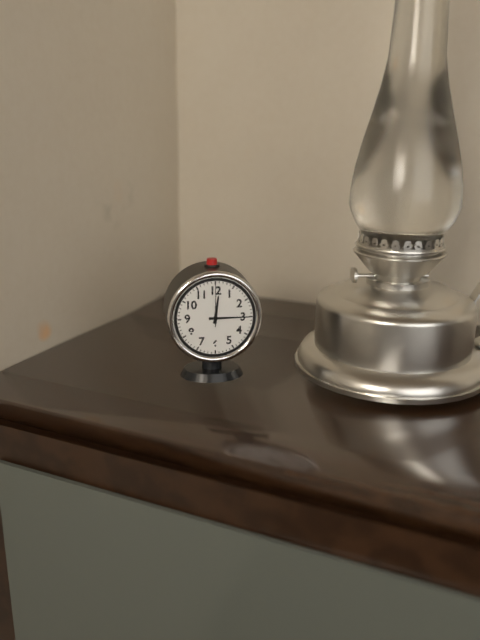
12:15
